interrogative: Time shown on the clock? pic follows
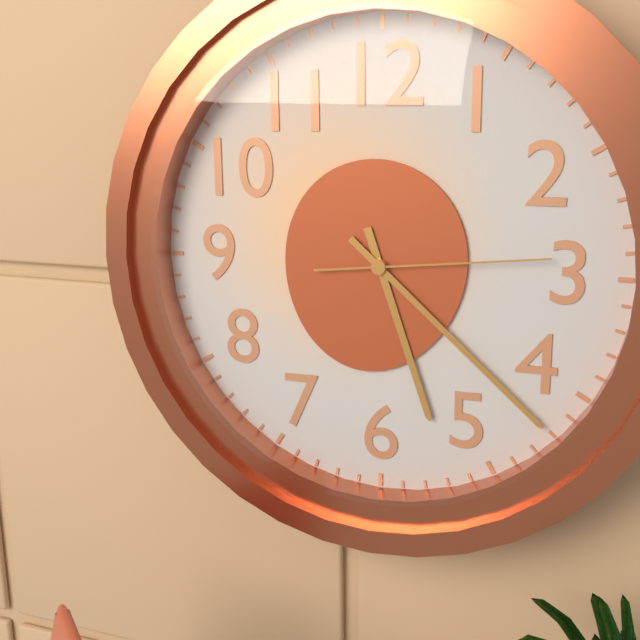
5:22:14
